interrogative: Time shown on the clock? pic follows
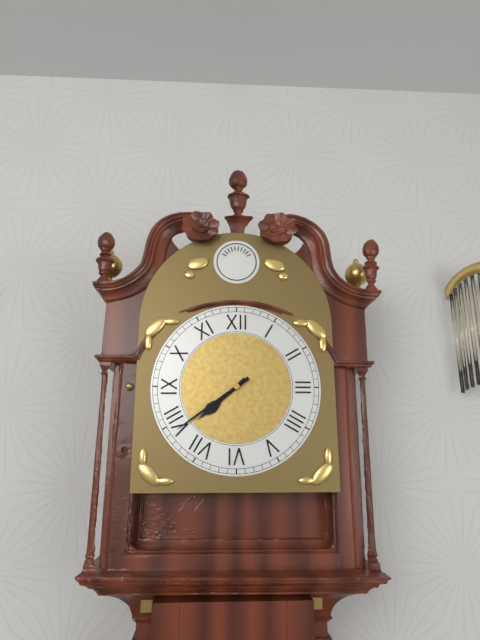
7:39
